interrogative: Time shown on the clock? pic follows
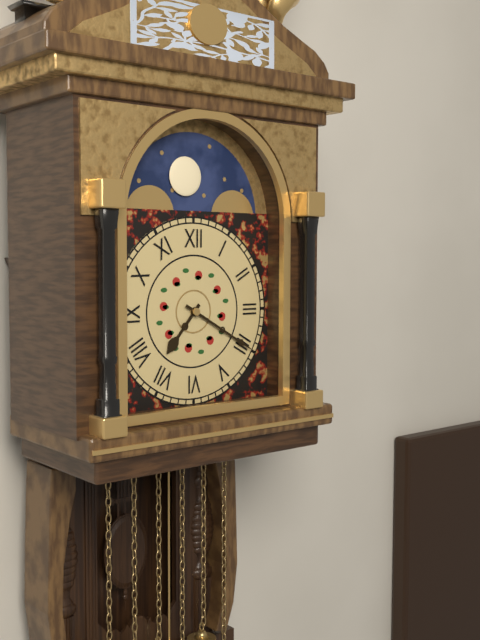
7:20
